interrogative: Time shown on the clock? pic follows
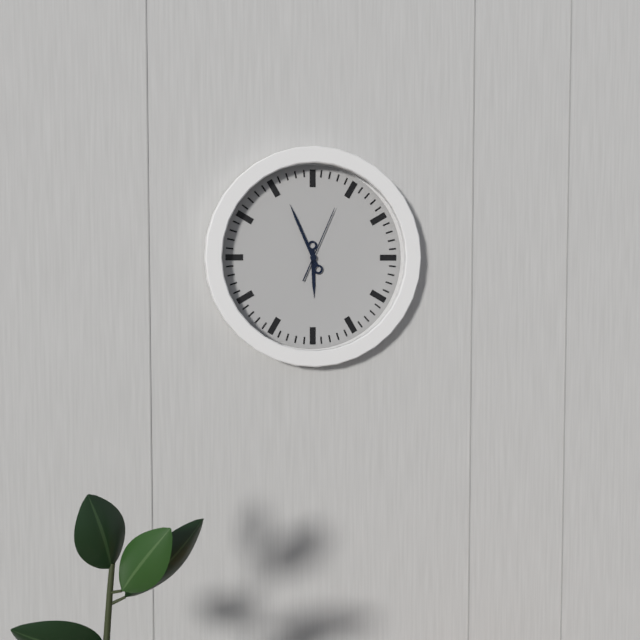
5:56:04
